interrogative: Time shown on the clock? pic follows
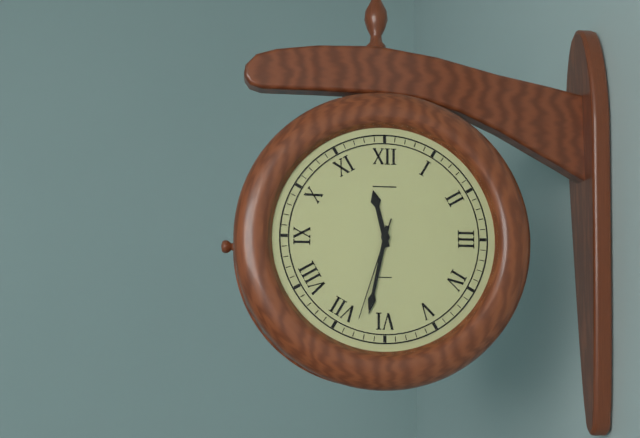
11:32:33
